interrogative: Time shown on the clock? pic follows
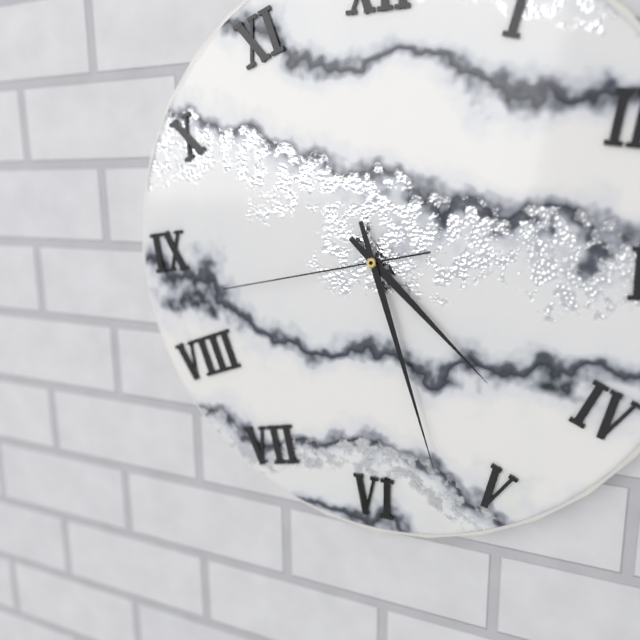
4:27:43
